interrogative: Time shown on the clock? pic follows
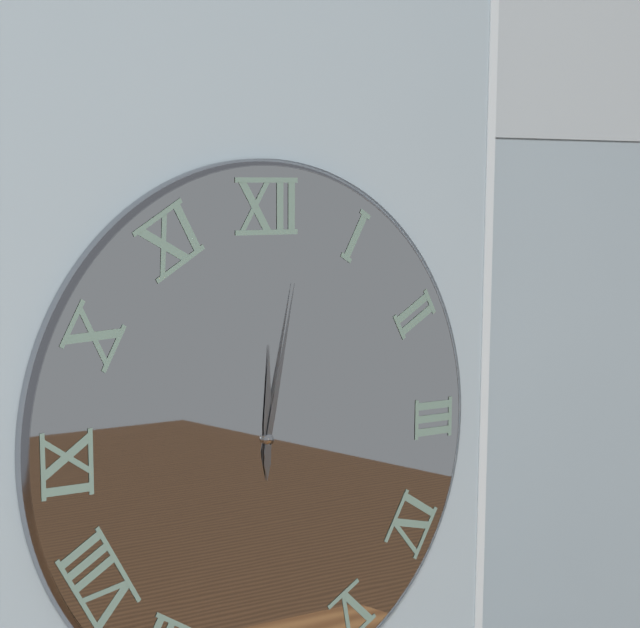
12:02
